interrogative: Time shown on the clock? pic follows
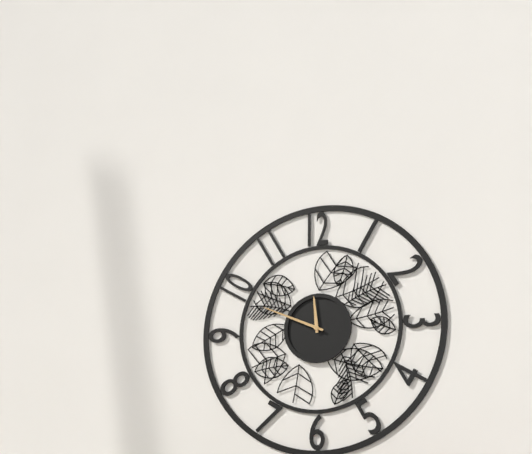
11:49
